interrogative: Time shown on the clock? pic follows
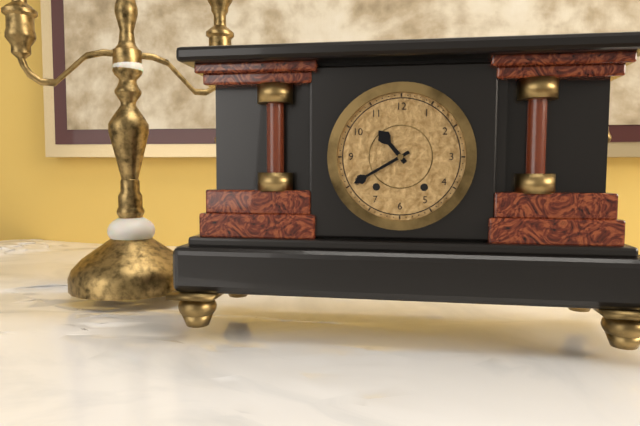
10:40
